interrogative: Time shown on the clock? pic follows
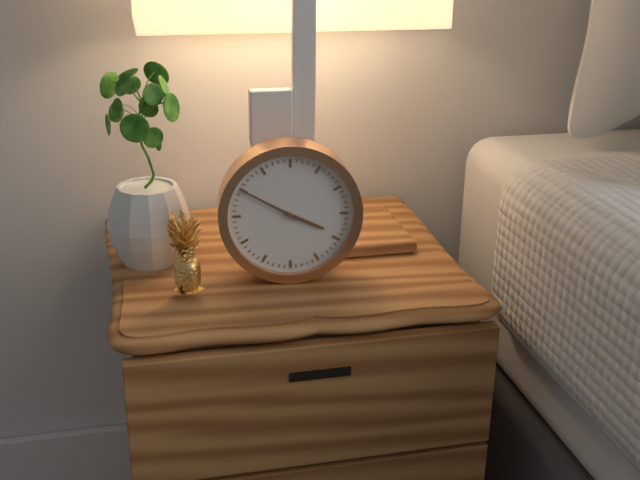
3:50
